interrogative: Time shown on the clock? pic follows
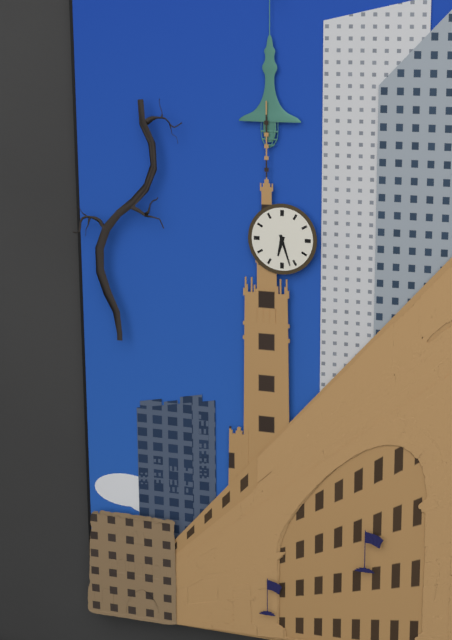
6:27
